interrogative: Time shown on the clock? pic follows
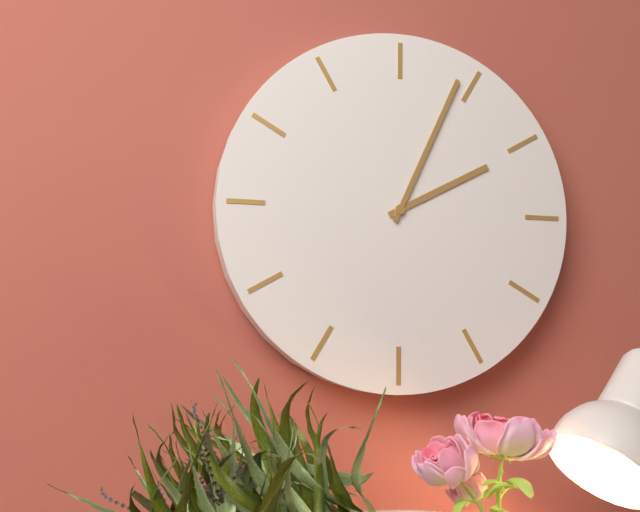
2:04
